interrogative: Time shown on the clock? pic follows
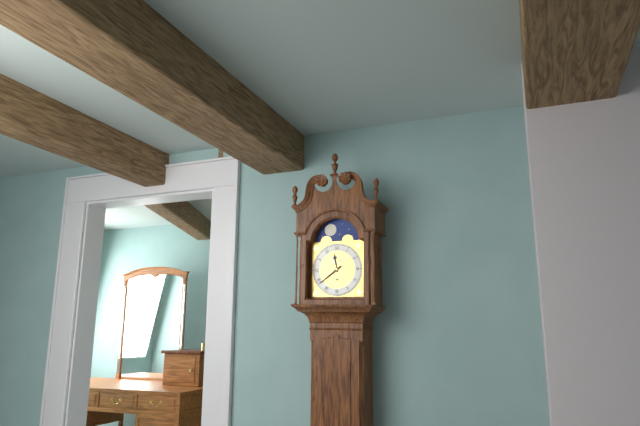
11:39
